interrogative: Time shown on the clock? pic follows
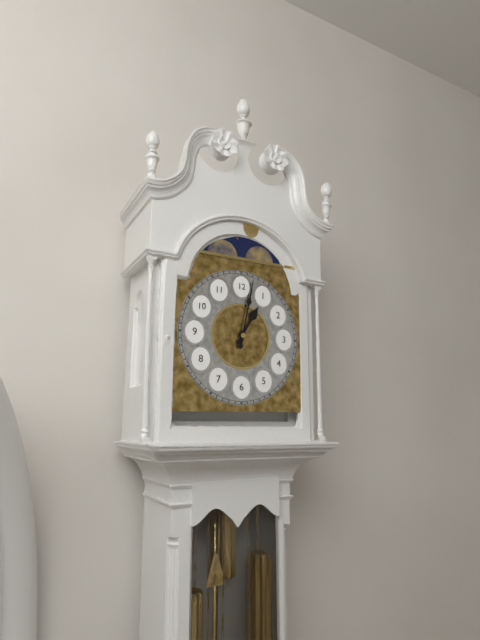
1:02
